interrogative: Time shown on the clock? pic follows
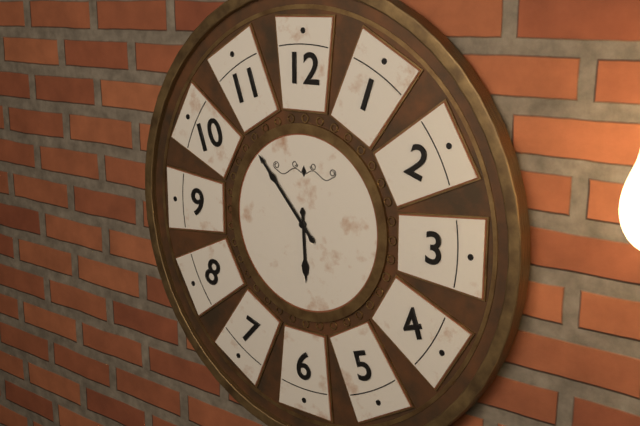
5:53
